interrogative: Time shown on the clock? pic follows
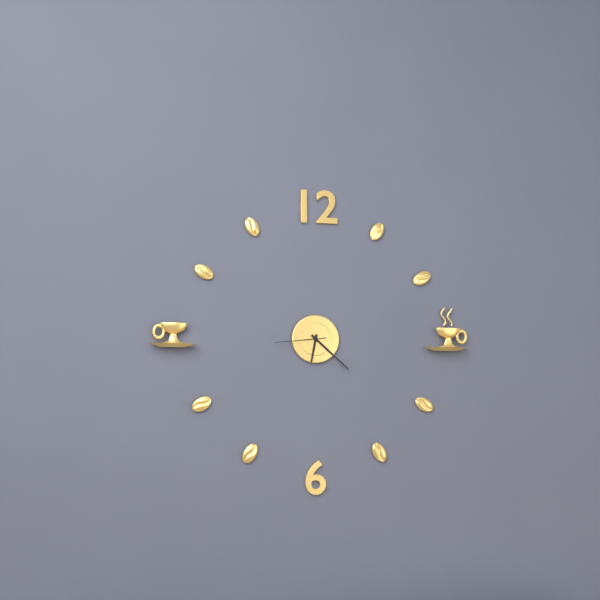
6:22:44
